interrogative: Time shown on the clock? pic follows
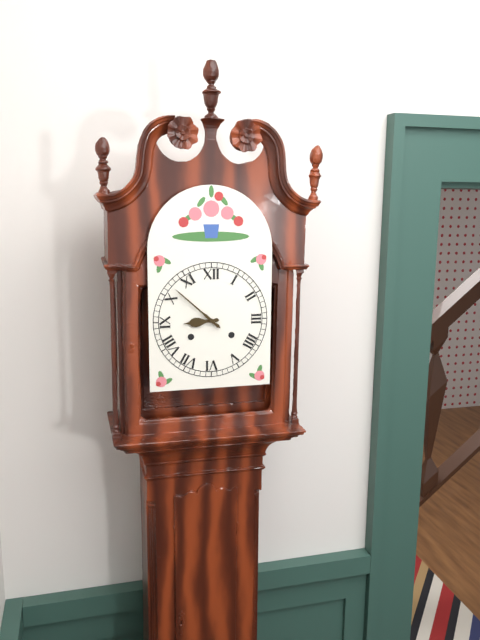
8:52
